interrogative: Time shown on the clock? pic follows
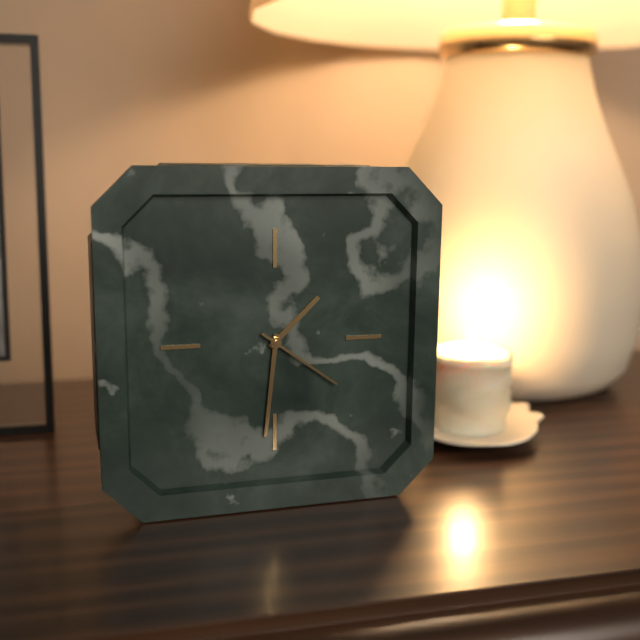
1:31:21
